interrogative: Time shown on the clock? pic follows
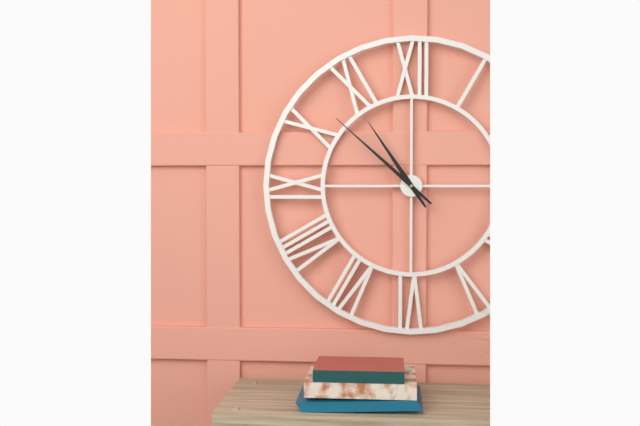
10:52
